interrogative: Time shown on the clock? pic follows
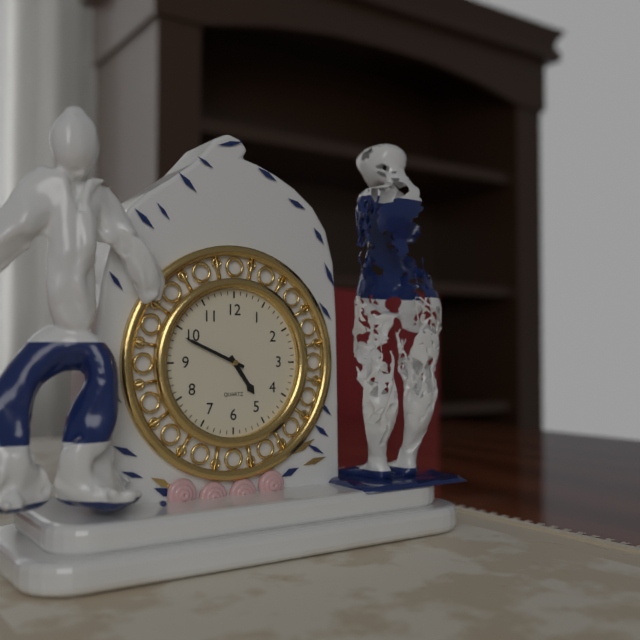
4:49
